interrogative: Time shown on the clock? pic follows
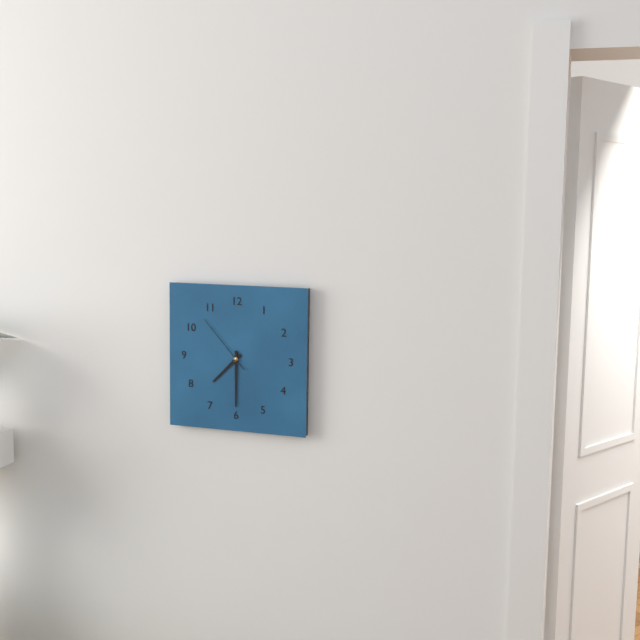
7:30:53
